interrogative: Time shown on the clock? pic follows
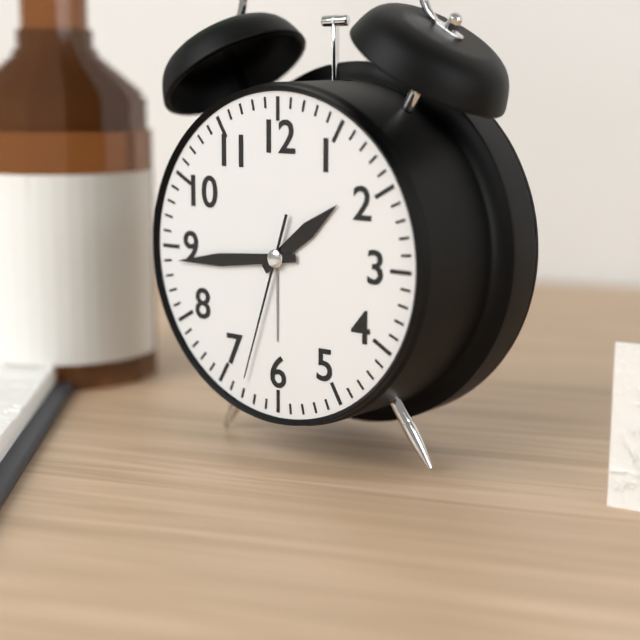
1:44:33
